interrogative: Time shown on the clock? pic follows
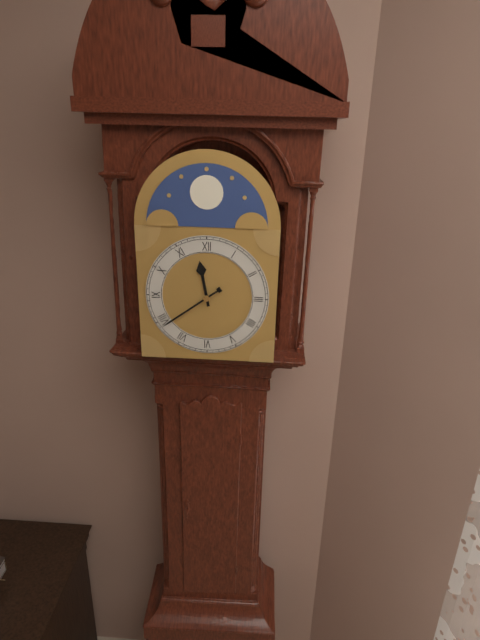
11:39
